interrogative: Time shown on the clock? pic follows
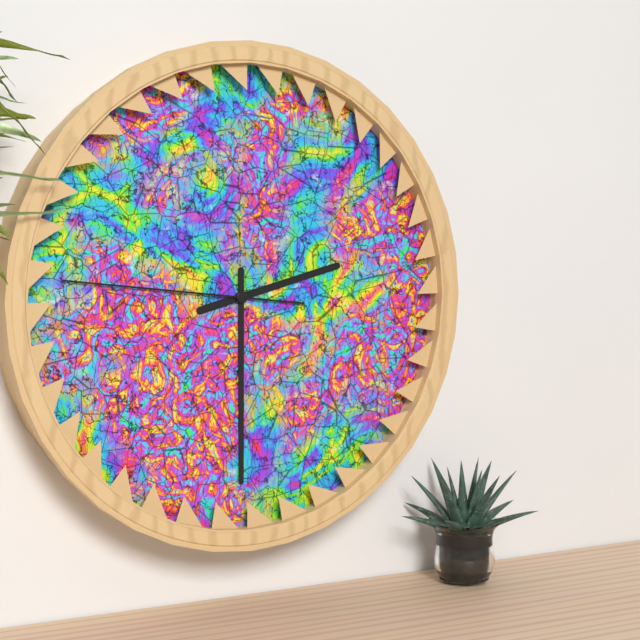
2:30:46
